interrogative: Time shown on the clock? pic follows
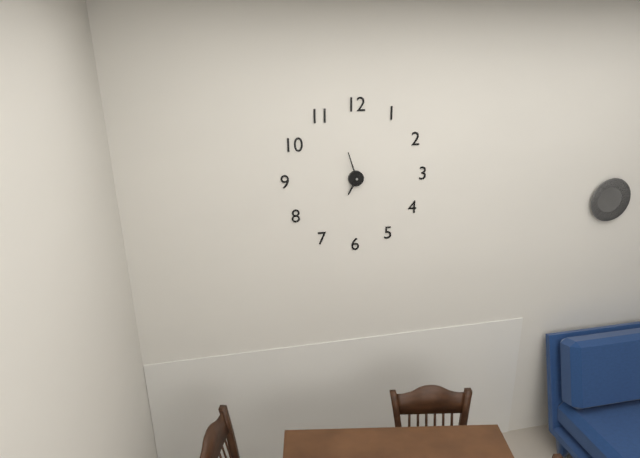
6:57
